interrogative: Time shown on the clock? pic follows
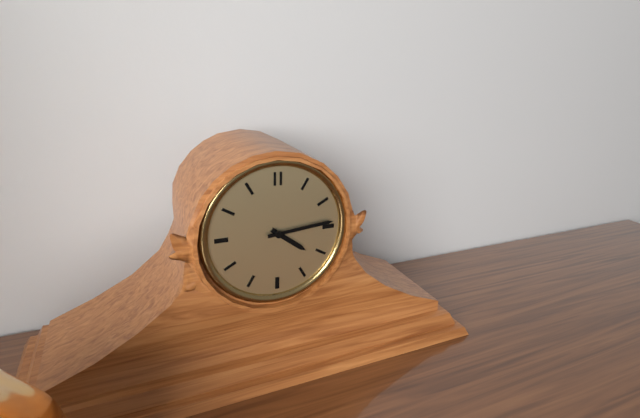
4:14
